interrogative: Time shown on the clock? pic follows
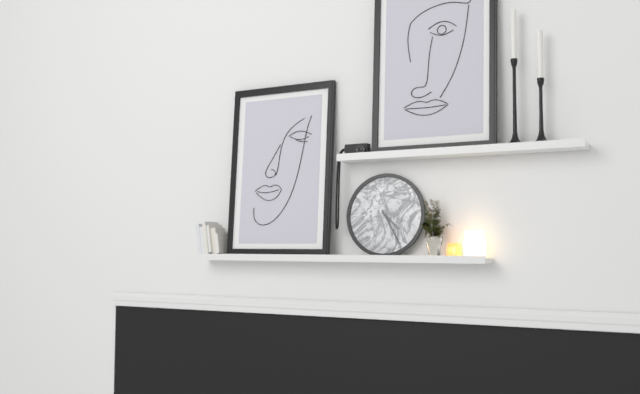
4:25
